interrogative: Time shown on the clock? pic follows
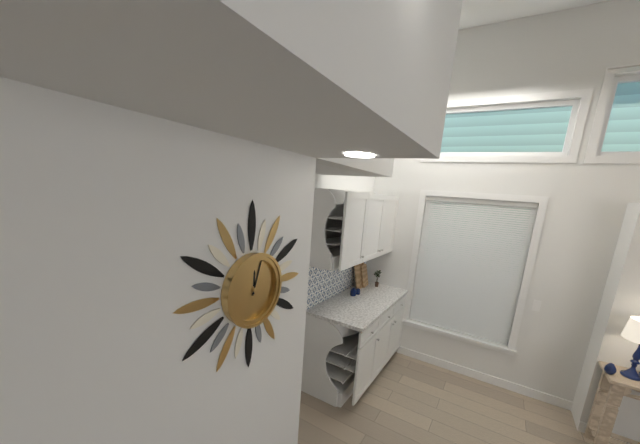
12:03
